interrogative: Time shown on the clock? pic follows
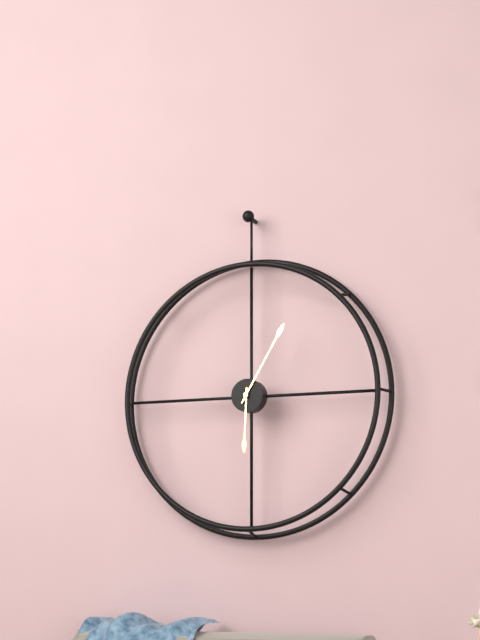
6:05
